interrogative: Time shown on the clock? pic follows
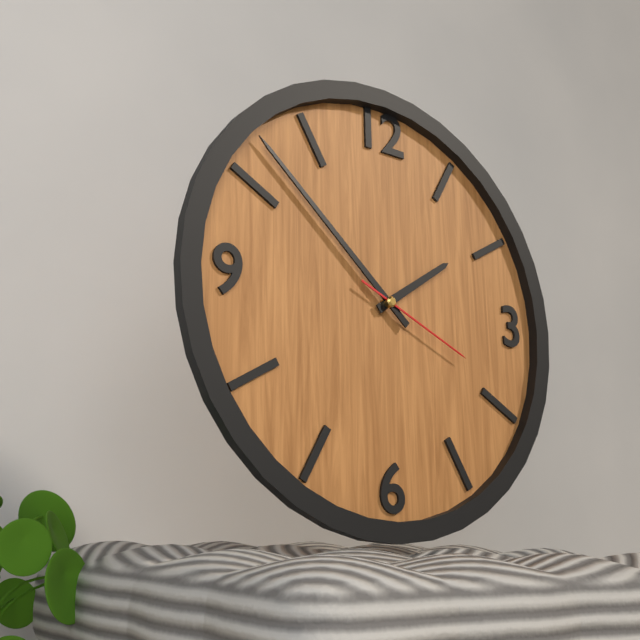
1:52:19
